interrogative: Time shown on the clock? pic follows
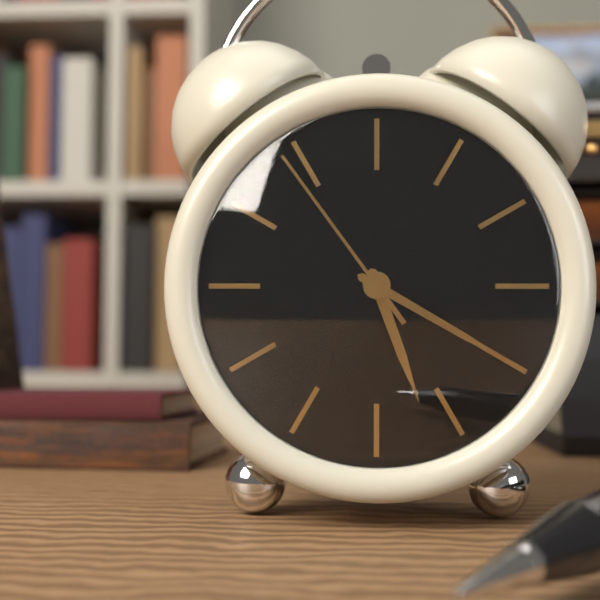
5:20:54
